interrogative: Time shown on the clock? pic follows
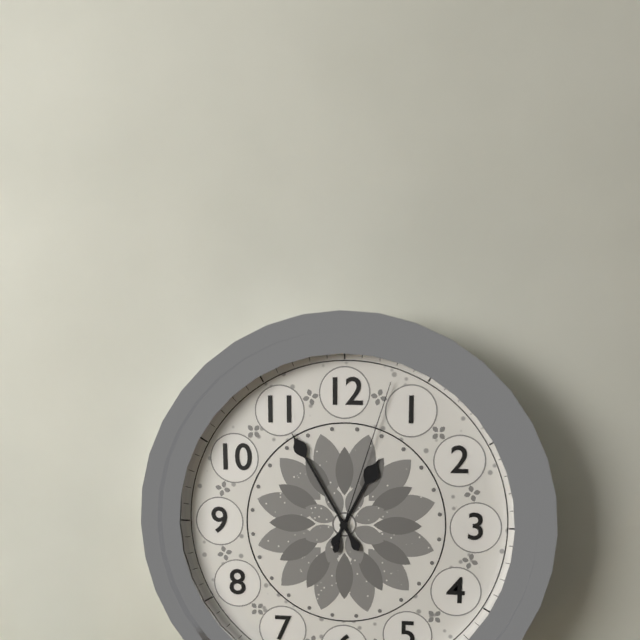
12:55:03
